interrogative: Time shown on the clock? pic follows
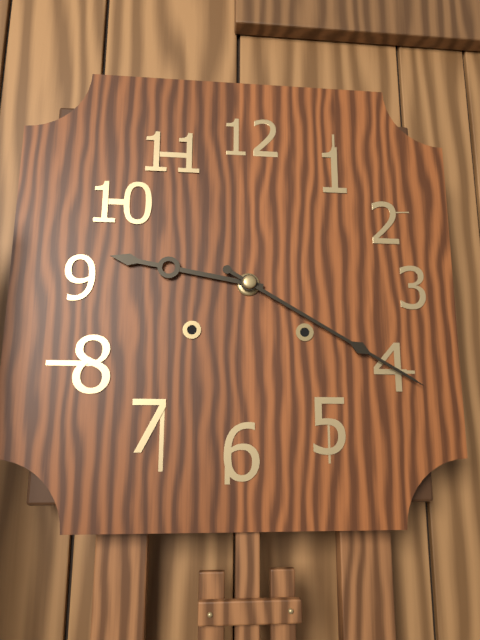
9:20
